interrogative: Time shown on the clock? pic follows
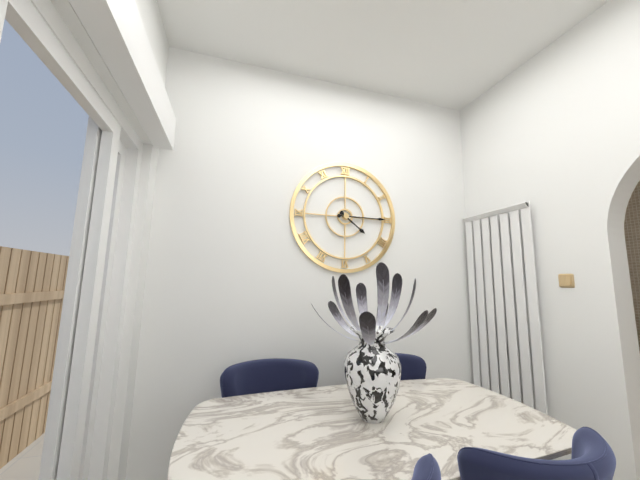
4:15
